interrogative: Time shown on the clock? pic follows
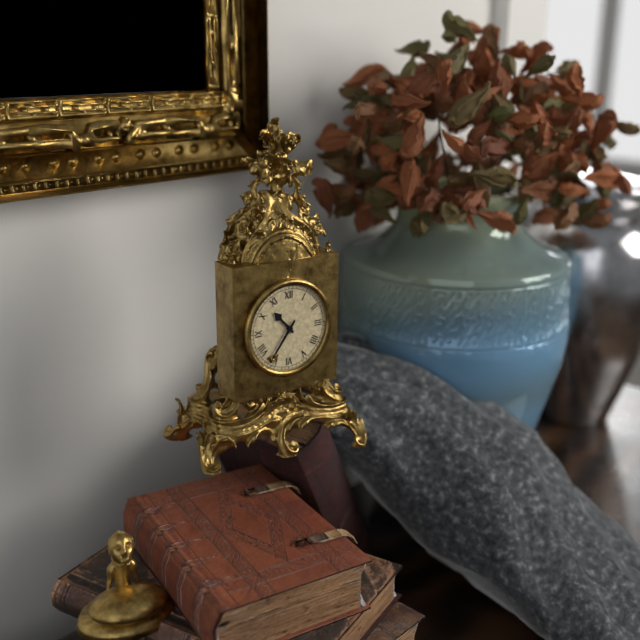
10:36
